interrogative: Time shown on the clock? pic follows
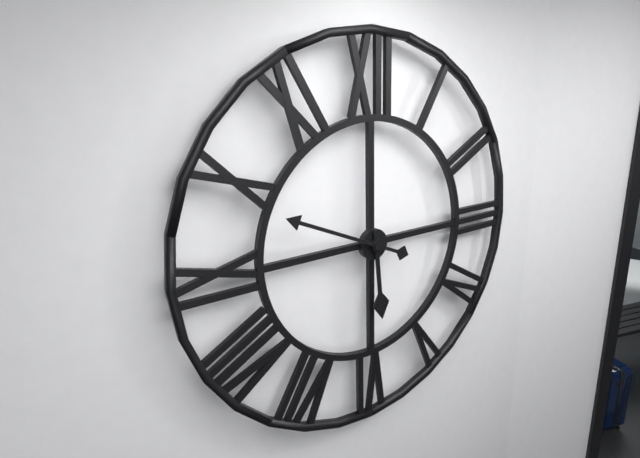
5:49
